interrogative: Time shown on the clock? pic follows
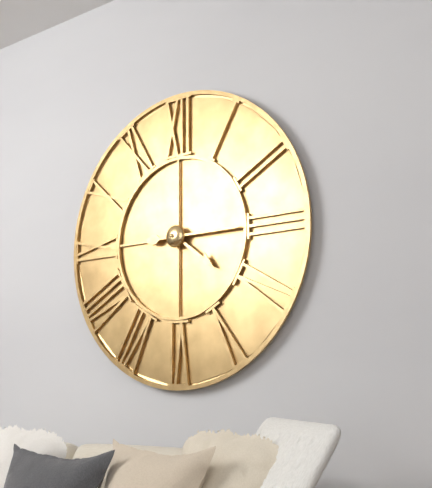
4:15
